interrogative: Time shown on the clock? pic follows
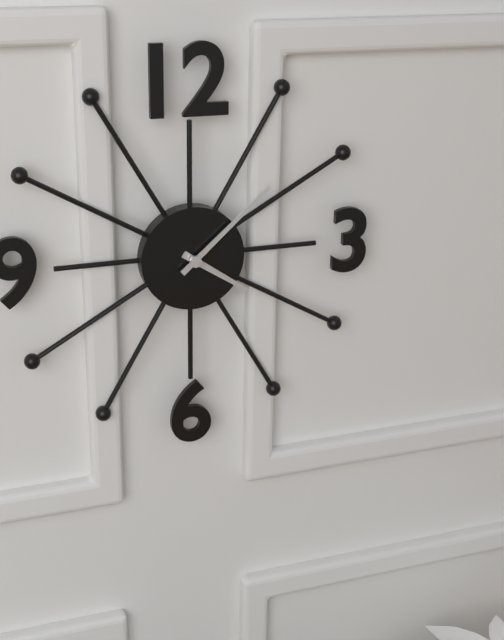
4:08
